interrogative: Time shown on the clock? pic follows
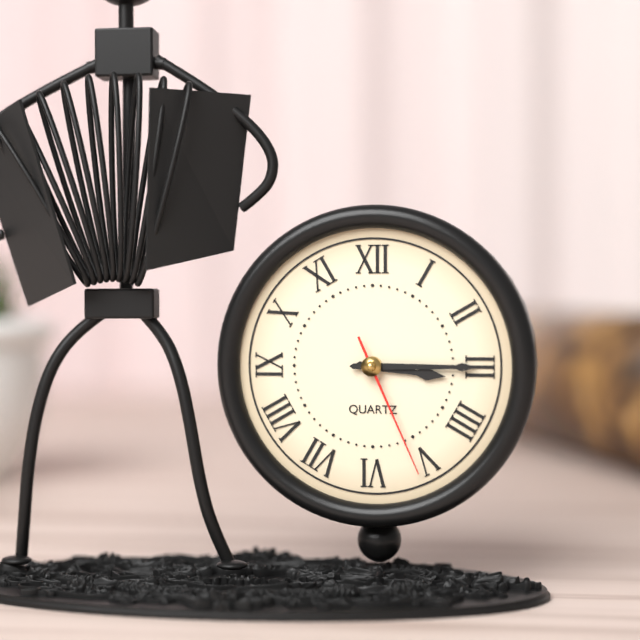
3:15:26
